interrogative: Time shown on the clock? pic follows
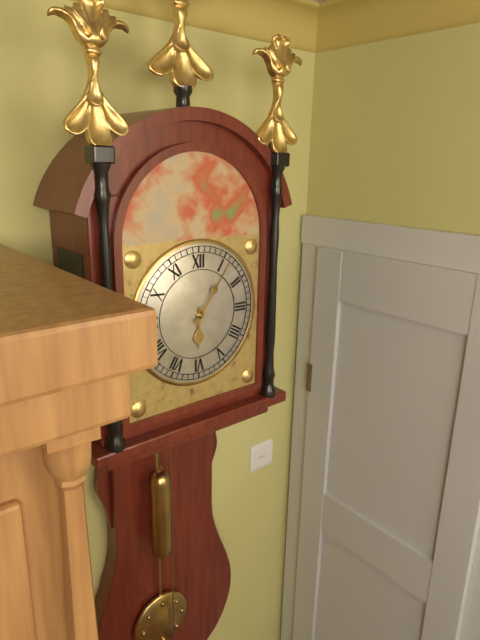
6:06
